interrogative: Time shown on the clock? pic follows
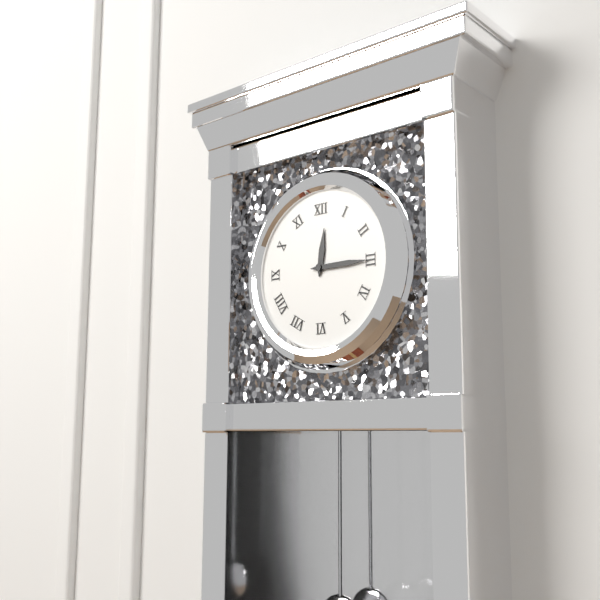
12:15
